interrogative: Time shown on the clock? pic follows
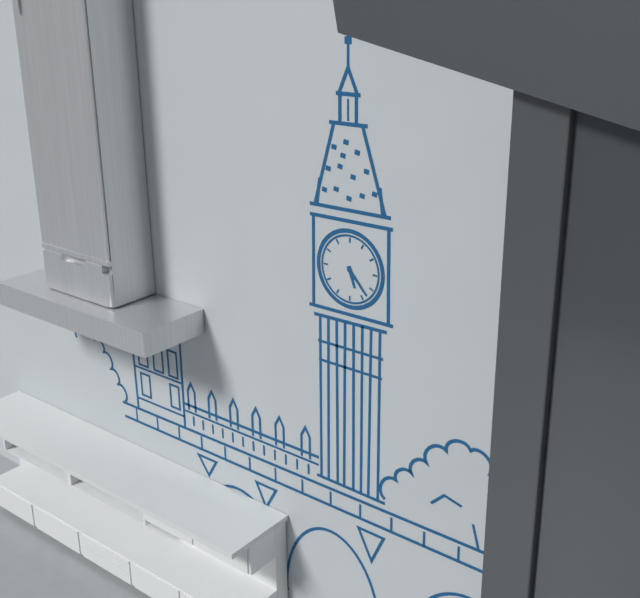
5:23
